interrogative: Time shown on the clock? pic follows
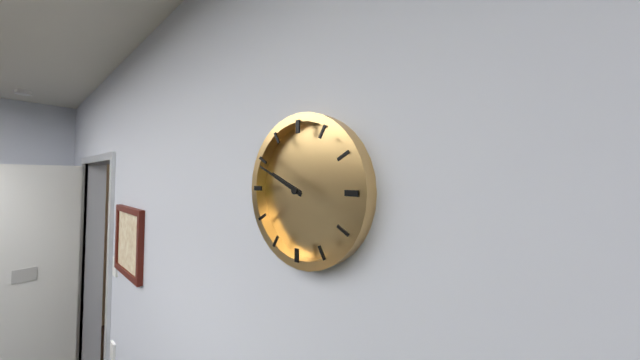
9:49
